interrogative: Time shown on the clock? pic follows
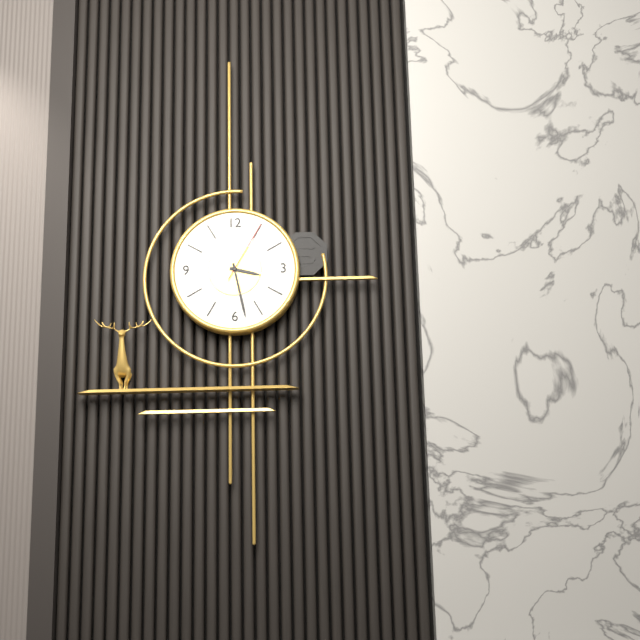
3:28:05
